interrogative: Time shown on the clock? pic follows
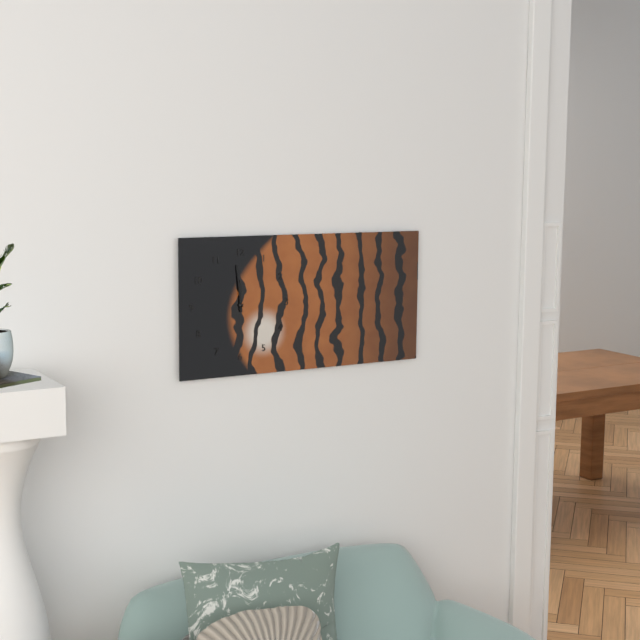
11:59
